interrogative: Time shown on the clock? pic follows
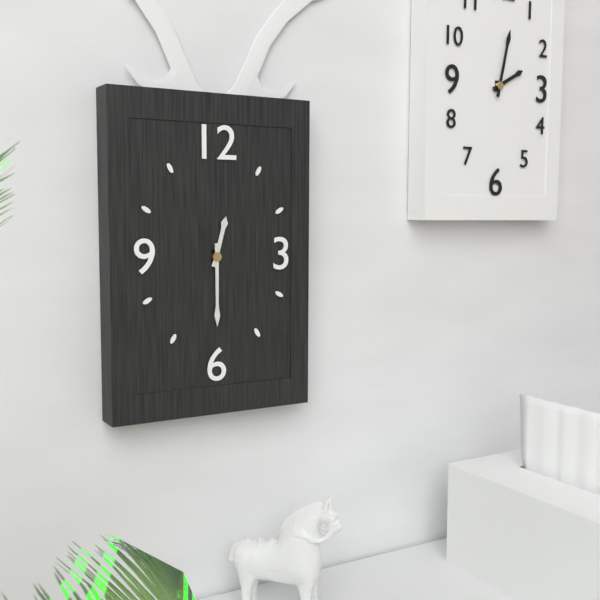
12:30
